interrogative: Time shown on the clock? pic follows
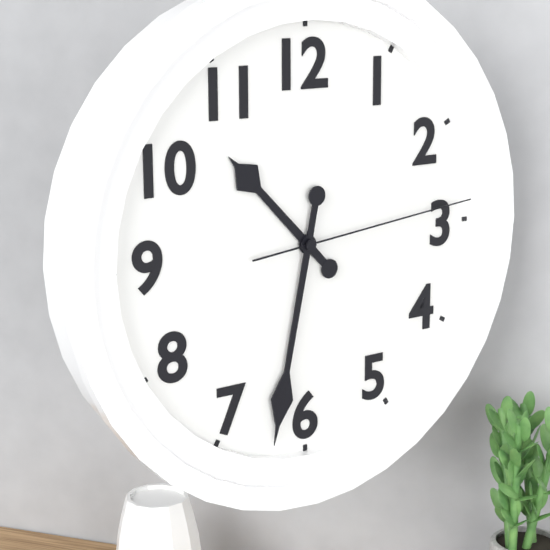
10:32:14
